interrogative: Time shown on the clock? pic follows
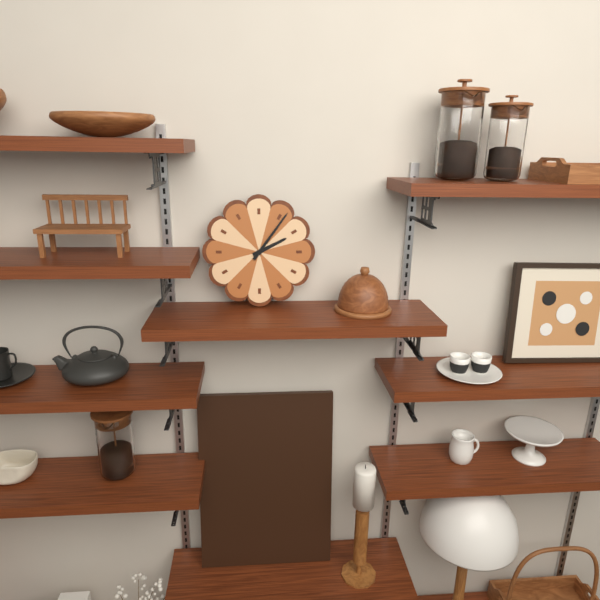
2:06
